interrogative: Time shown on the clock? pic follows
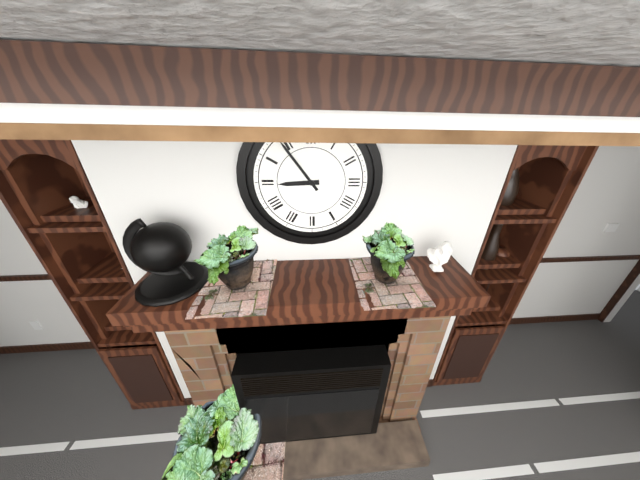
8:54
